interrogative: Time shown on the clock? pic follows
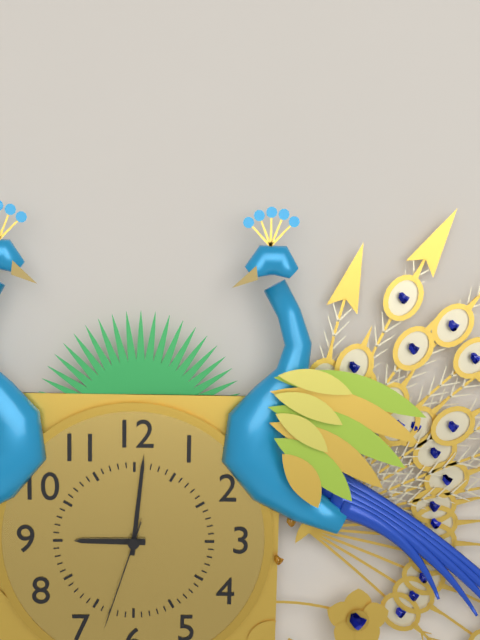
9:01:33
